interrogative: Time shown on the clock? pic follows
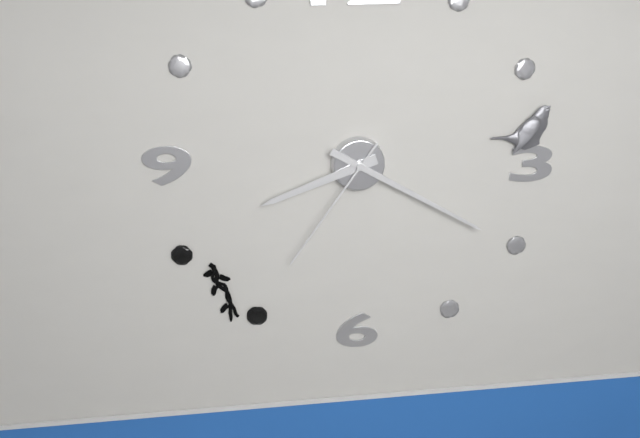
8:20:36
